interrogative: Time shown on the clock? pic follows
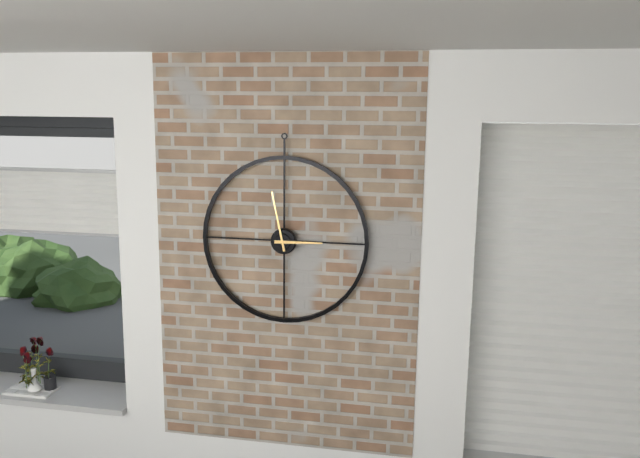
2:58
